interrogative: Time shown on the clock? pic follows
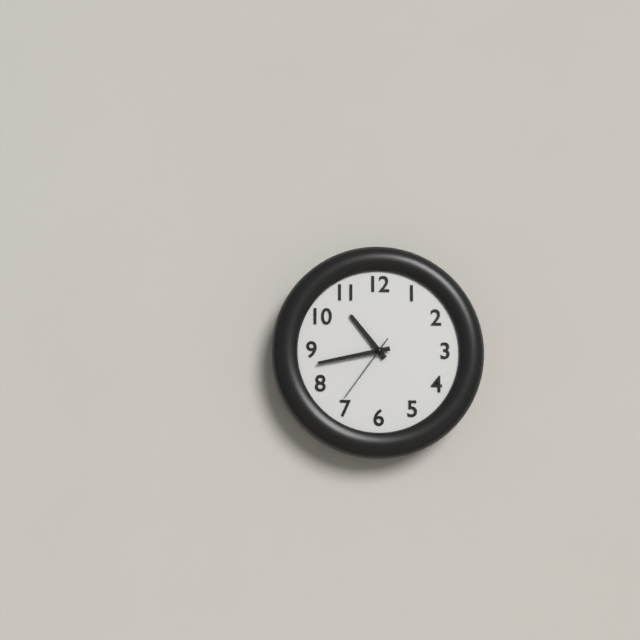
10:43:36
